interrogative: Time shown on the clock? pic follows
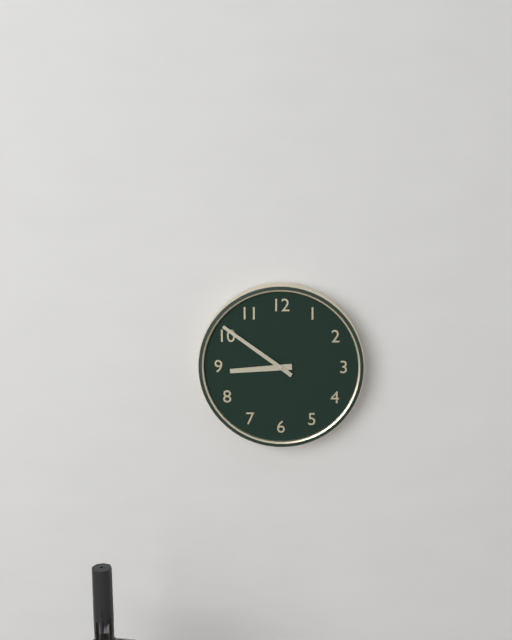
8:51
